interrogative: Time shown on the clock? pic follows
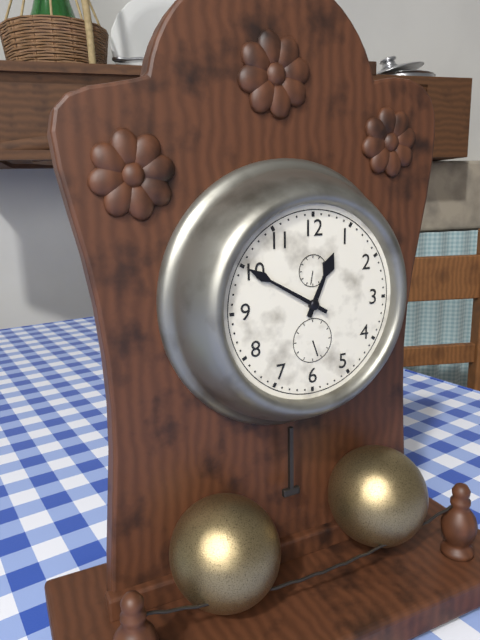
12:50
